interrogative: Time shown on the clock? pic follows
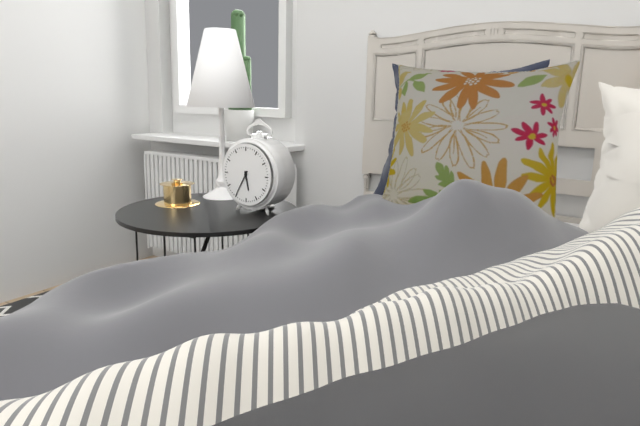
5:35
